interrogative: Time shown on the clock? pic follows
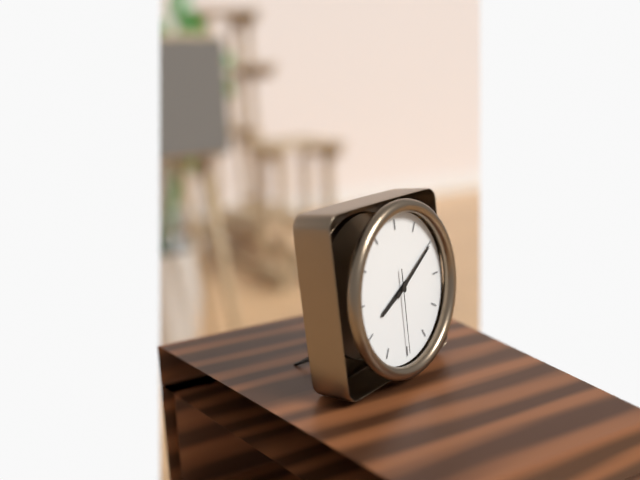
8:10:30
